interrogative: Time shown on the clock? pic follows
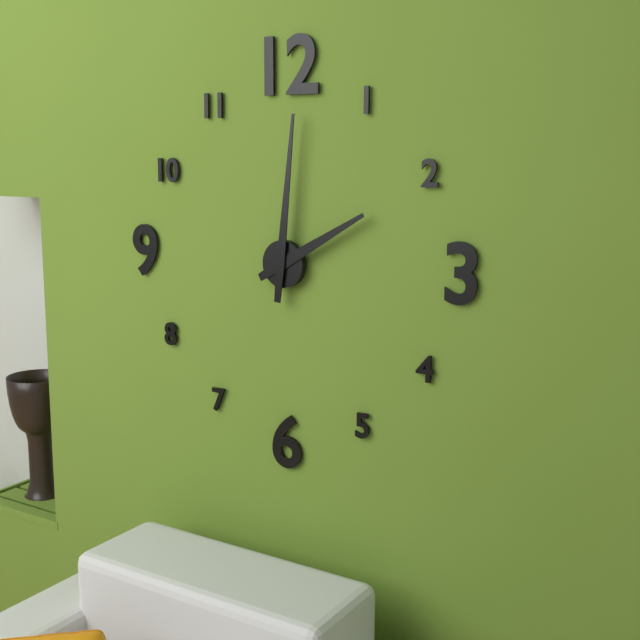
2:01
